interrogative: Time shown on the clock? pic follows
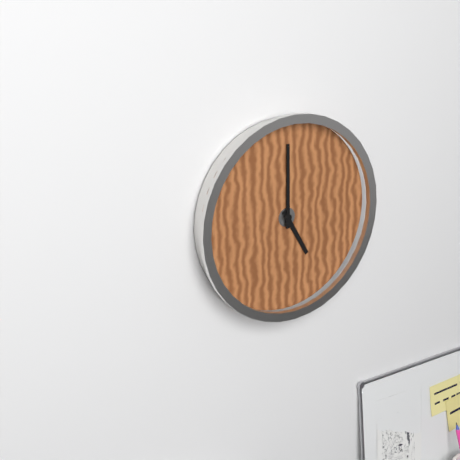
5:00
